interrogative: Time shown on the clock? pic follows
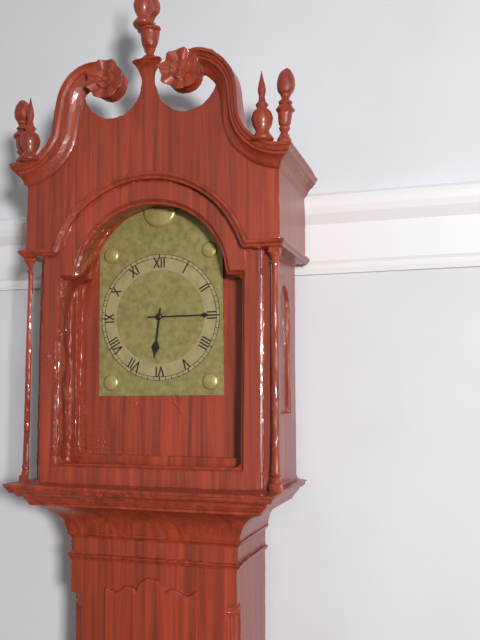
6:15
